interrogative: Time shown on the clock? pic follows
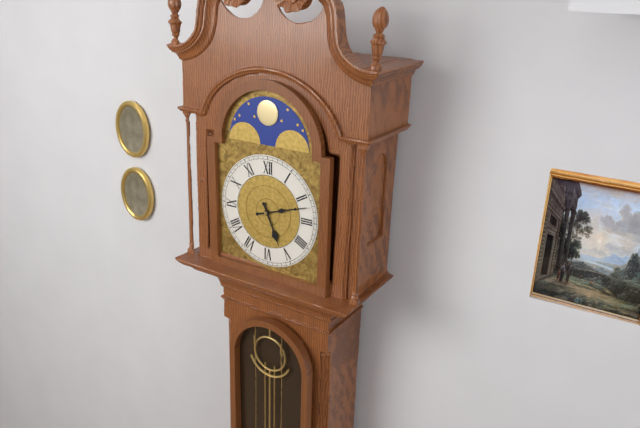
5:12
